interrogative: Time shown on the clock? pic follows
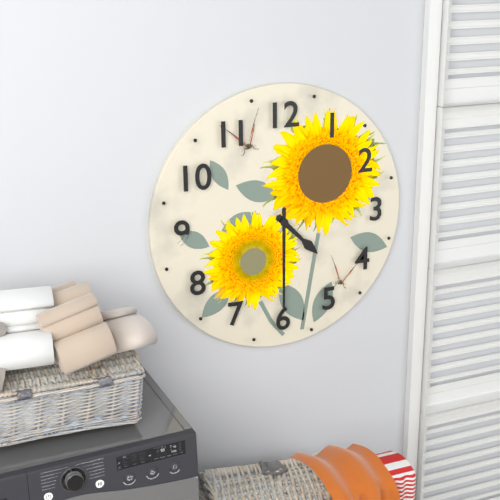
4:30
